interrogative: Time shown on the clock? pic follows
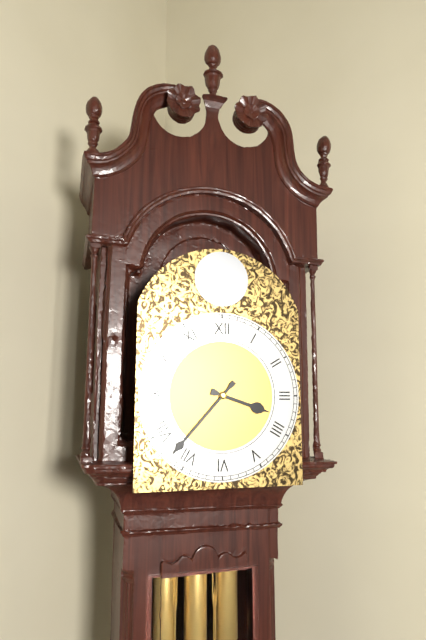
3:37
